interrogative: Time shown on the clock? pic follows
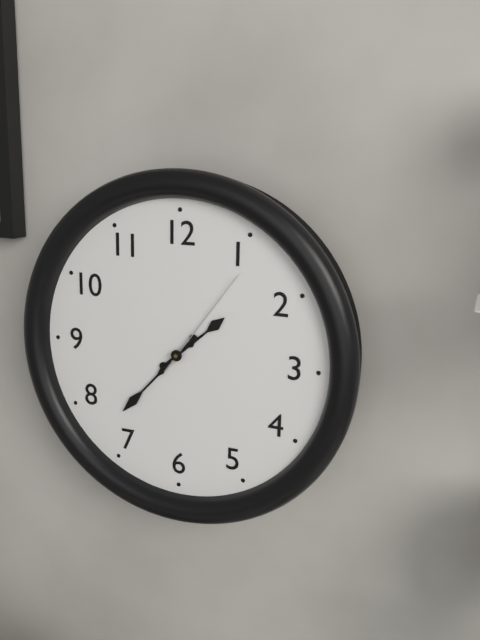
1:37:06
